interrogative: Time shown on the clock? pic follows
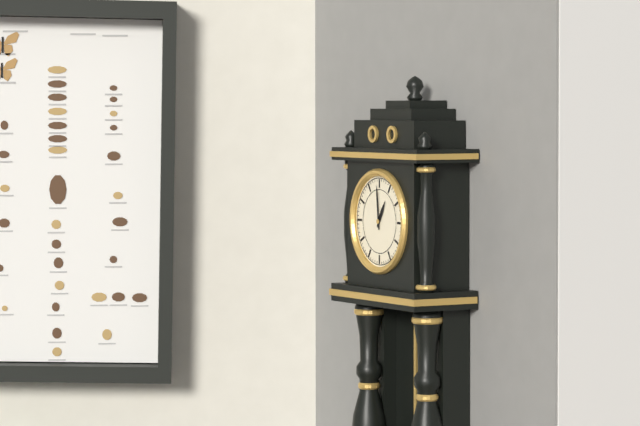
12:59
